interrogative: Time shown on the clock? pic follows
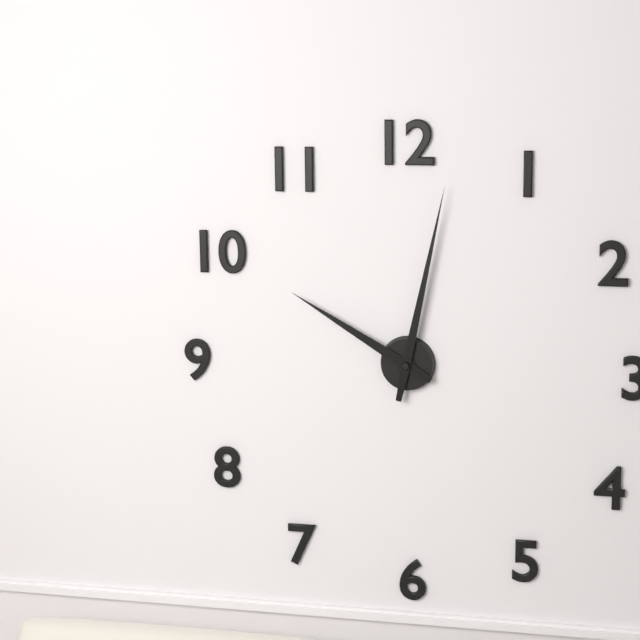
10:02
